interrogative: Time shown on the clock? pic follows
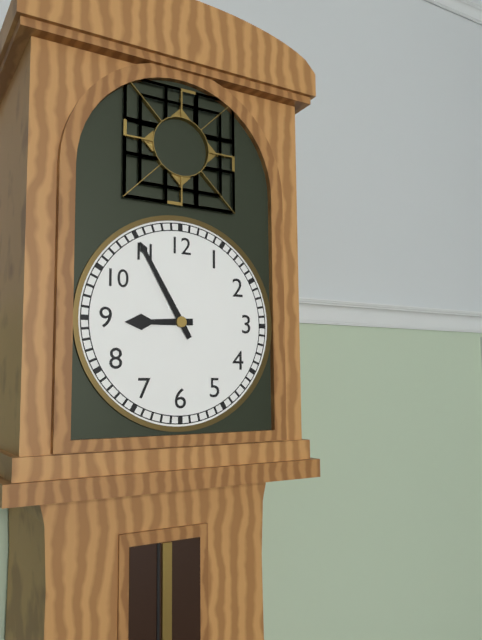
8:55
